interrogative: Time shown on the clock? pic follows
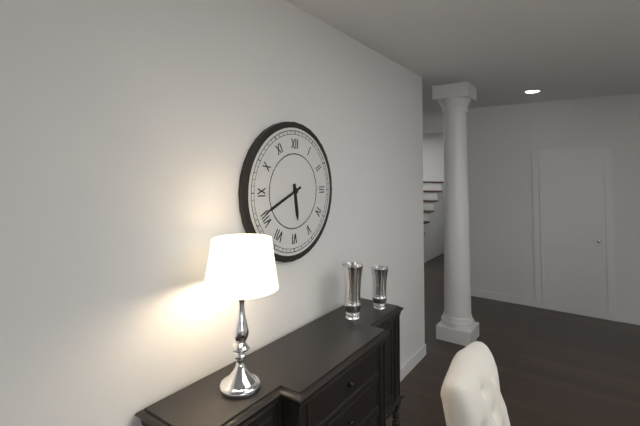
5:41
